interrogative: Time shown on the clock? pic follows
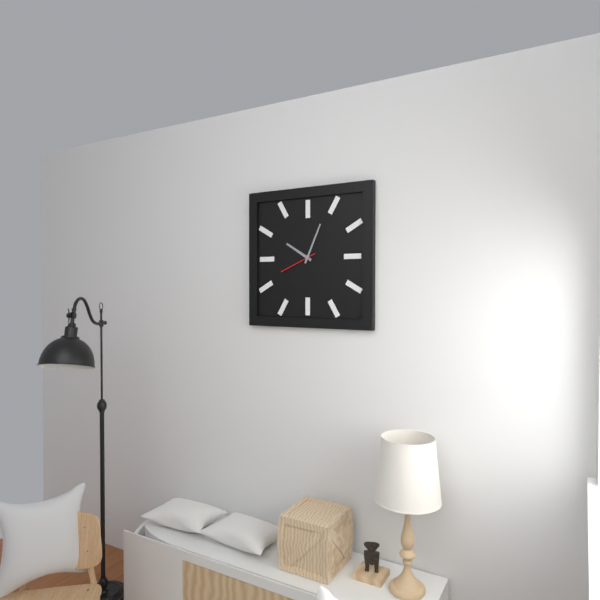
10:04
